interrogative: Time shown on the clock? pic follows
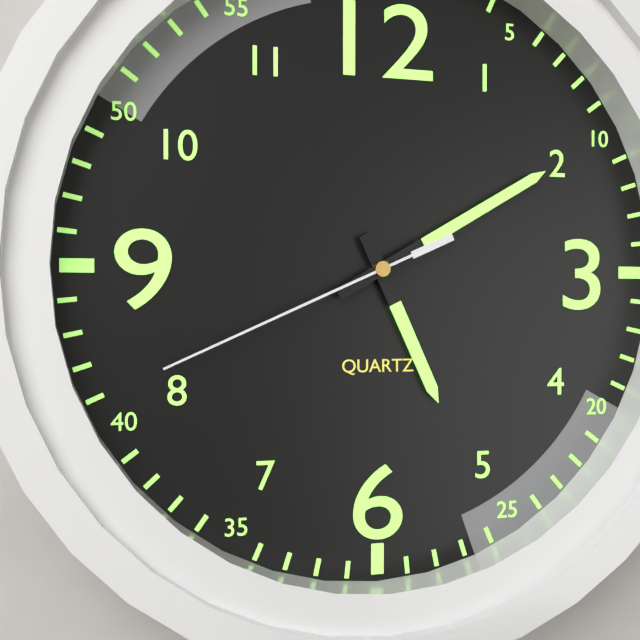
5:10:41
